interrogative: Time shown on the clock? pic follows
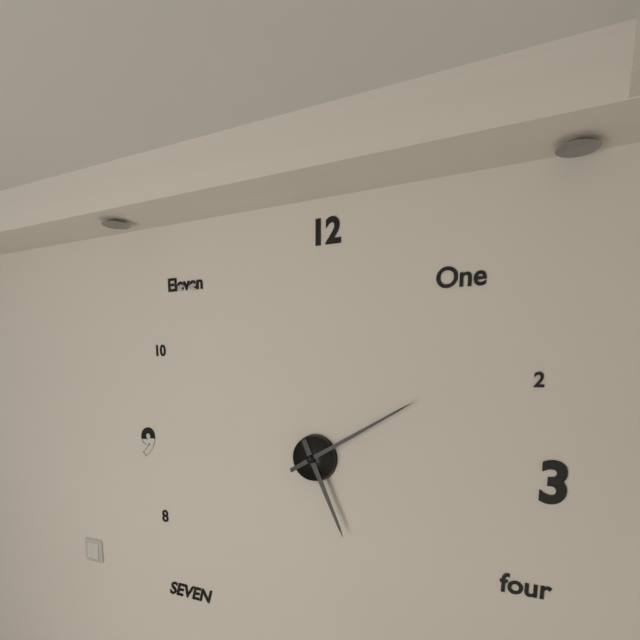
5:10
